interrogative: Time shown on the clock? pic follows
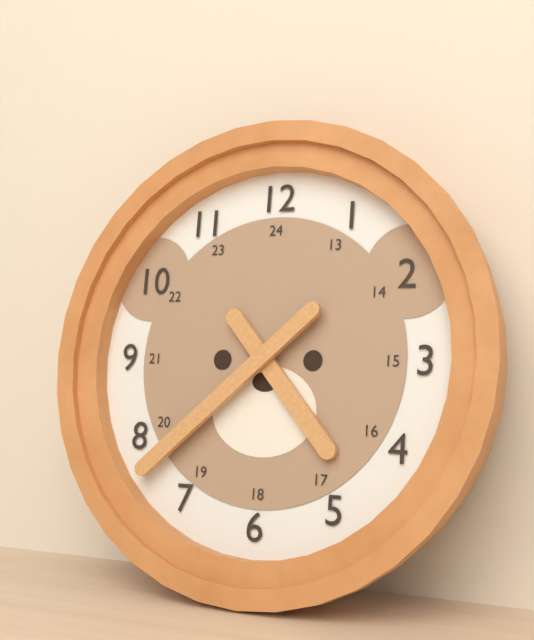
4:38
